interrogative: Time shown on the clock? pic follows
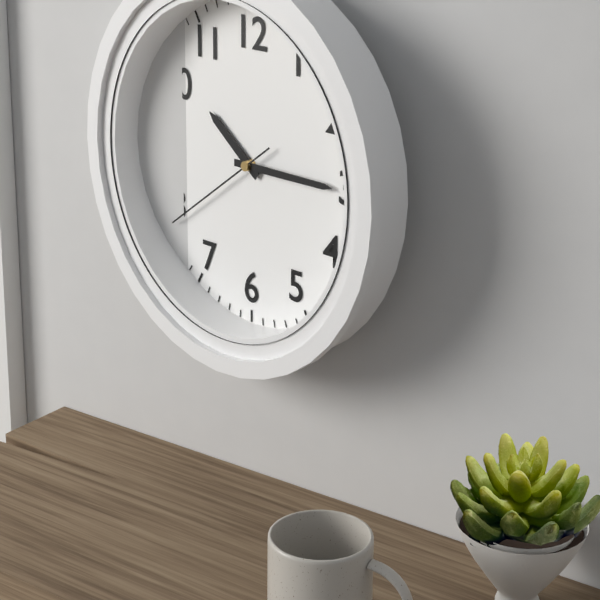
10:15:39
